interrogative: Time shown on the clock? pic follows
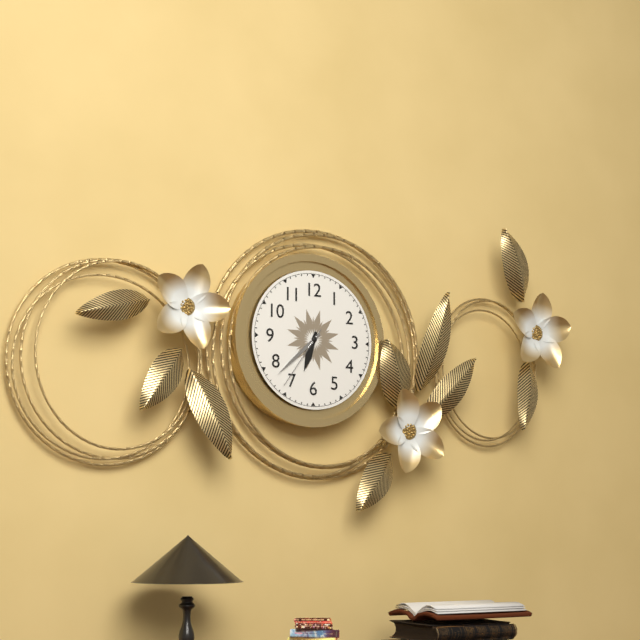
6:38:36
